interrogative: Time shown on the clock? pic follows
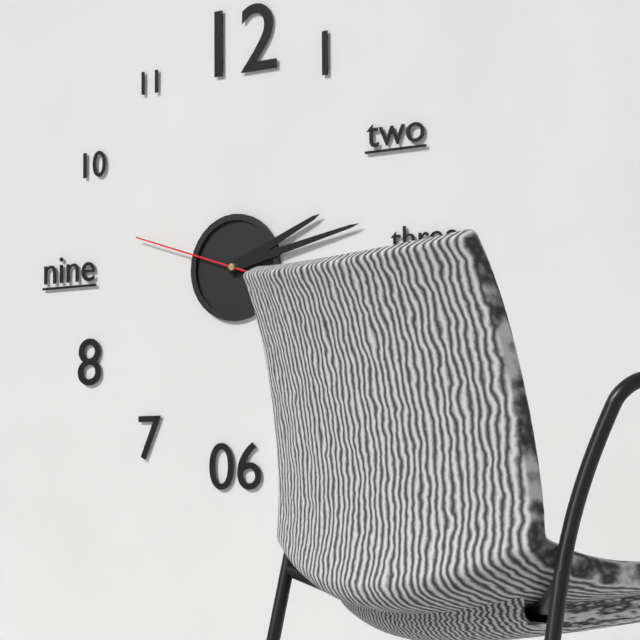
2:13:48
